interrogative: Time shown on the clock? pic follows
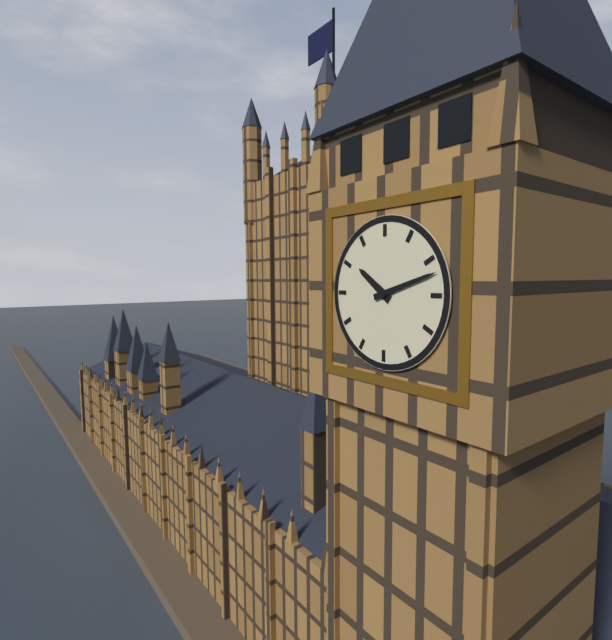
10:12
